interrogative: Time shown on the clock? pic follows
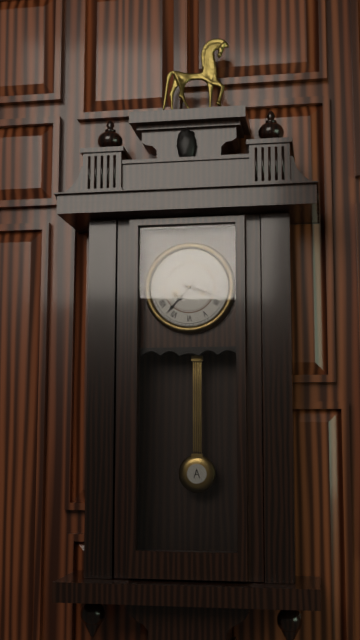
3:37
